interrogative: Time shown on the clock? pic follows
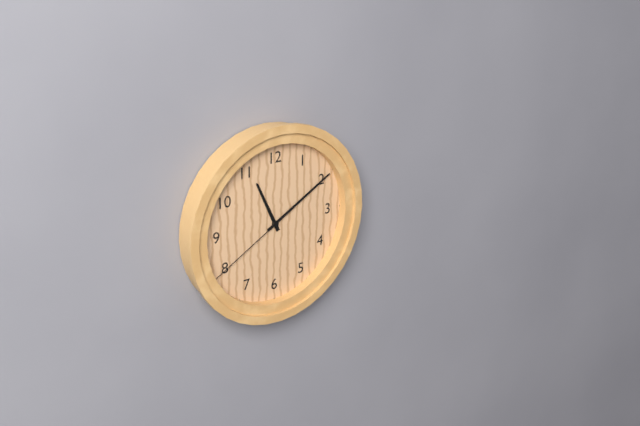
11:10:40
